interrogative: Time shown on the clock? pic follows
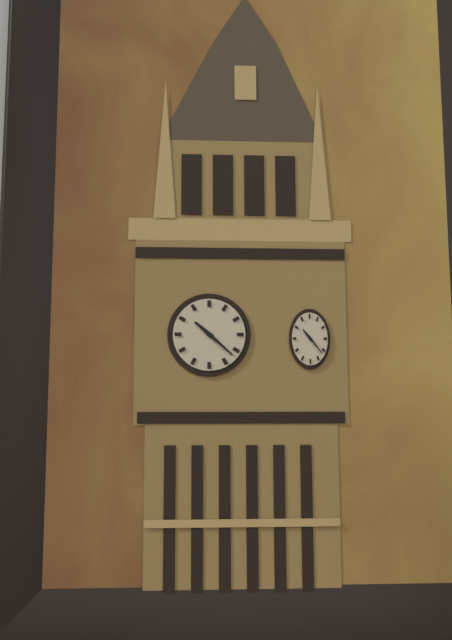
10:22
